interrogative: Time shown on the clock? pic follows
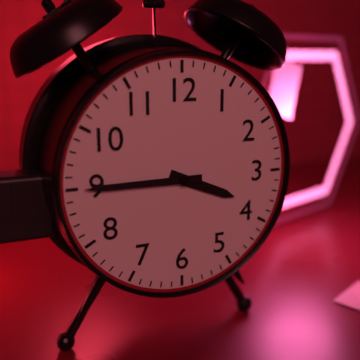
3:45
